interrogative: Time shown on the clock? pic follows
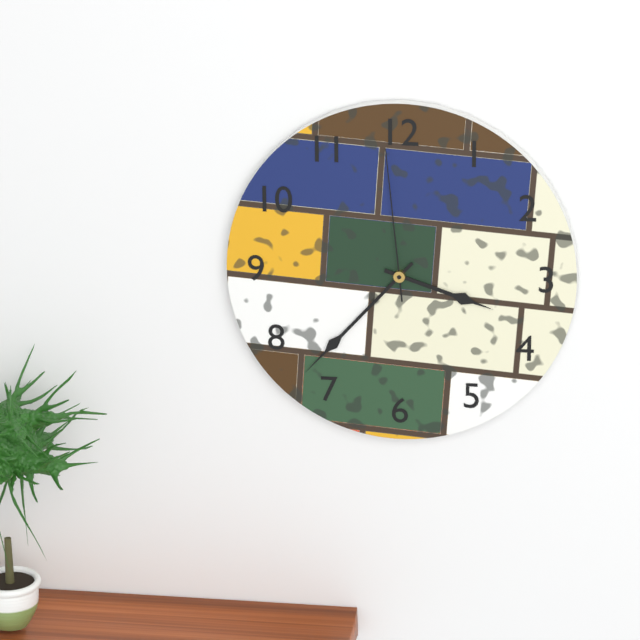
3:37:59
